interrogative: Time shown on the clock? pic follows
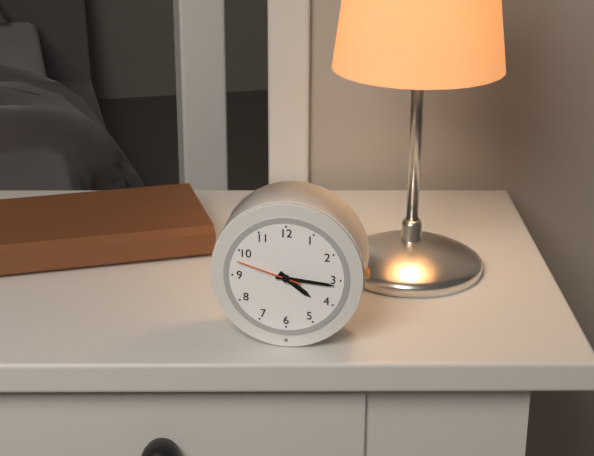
4:16:48
